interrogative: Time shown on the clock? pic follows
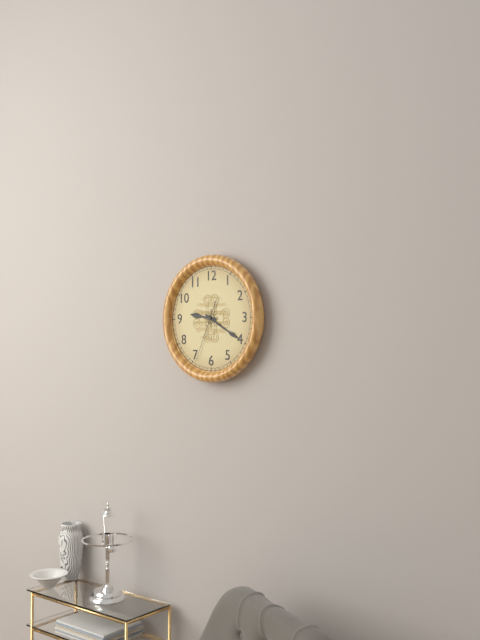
9:20:34
